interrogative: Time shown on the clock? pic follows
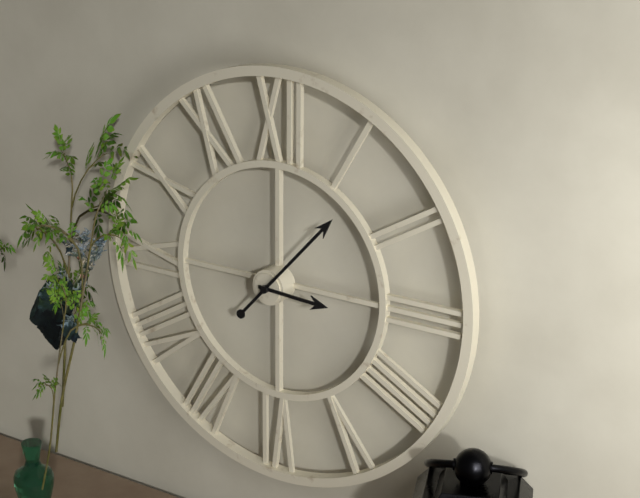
3:07
